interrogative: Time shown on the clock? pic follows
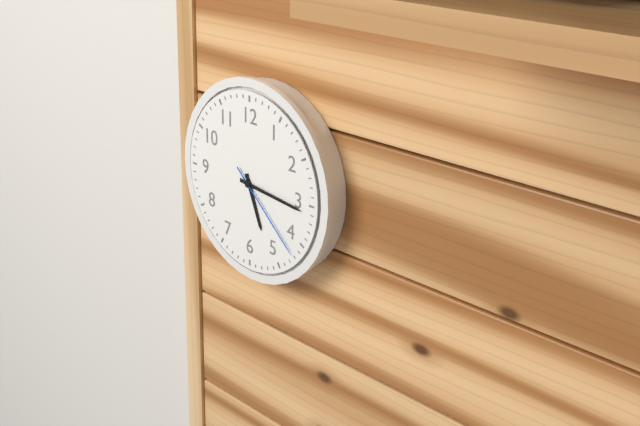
5:16:22
